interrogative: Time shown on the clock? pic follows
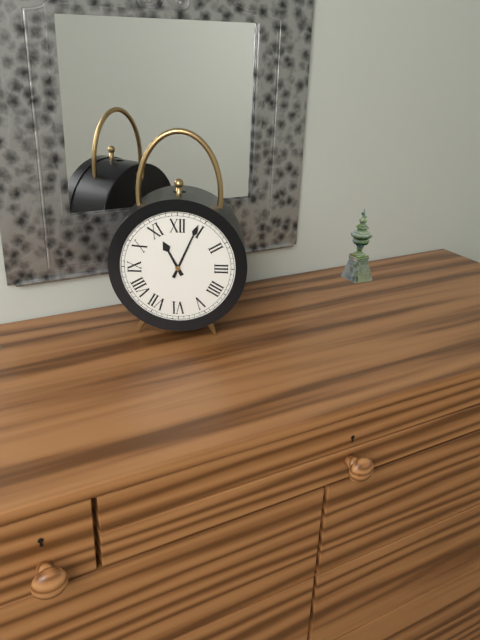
11:04
